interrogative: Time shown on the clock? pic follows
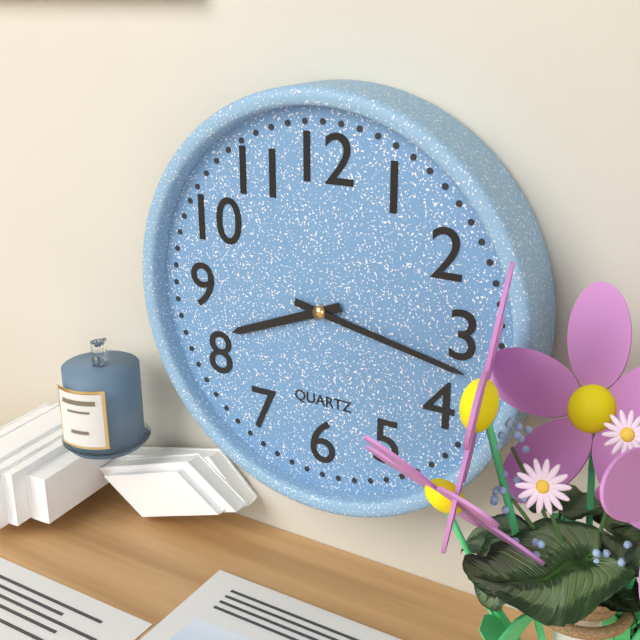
8:17
